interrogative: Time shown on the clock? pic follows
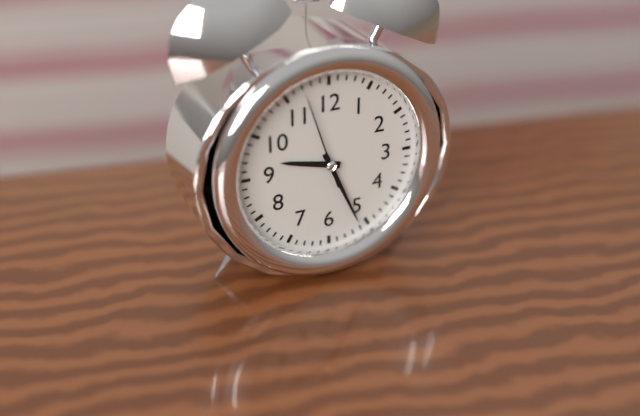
9:26:57
